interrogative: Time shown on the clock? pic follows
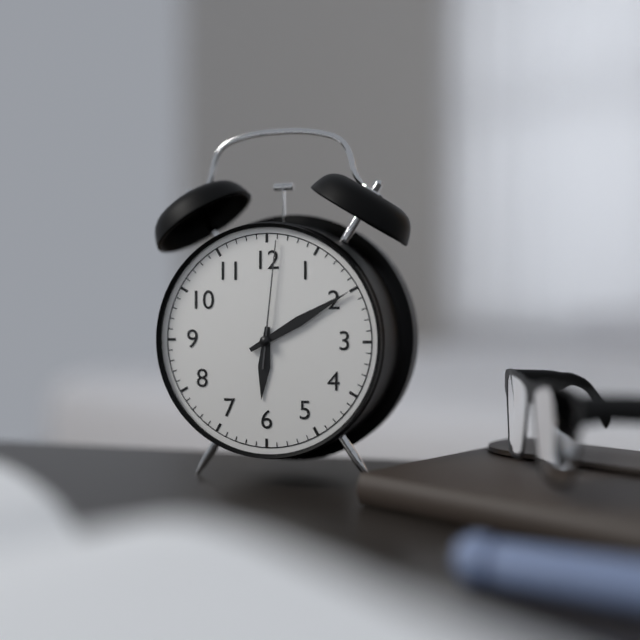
6:10:01
